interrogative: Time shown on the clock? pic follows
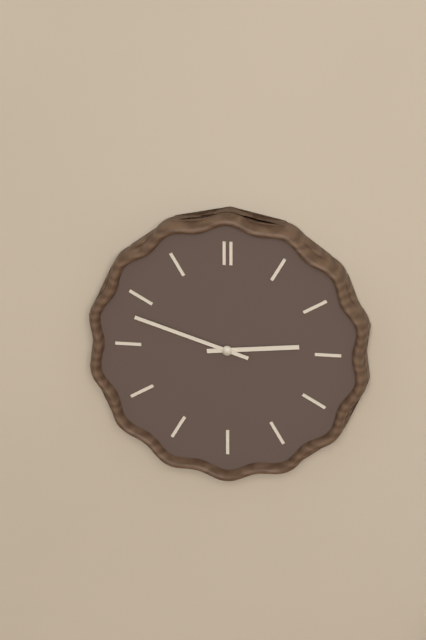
2:48
